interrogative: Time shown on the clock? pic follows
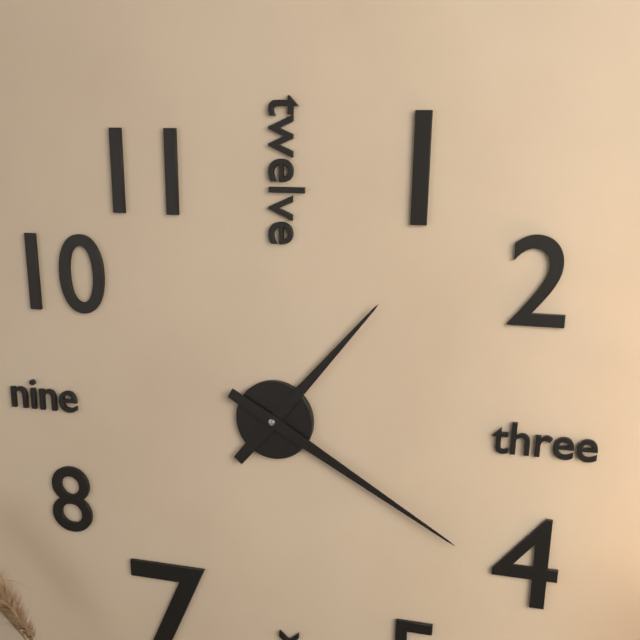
1:20
